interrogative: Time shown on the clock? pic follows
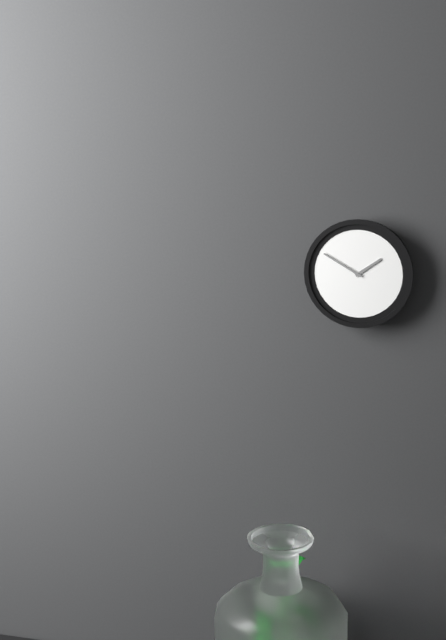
1:50
